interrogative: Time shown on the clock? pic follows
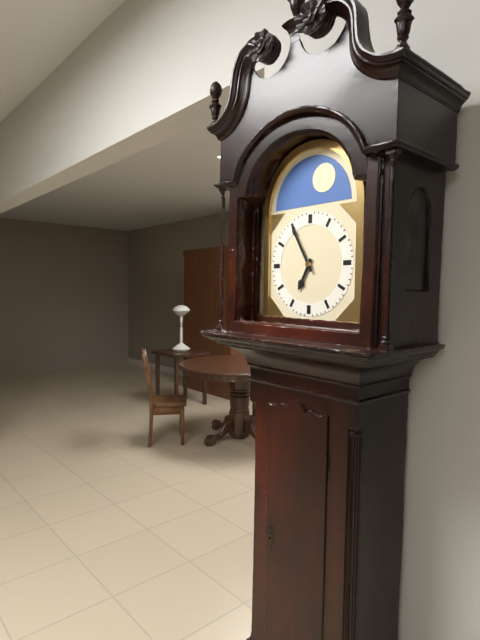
6:55
